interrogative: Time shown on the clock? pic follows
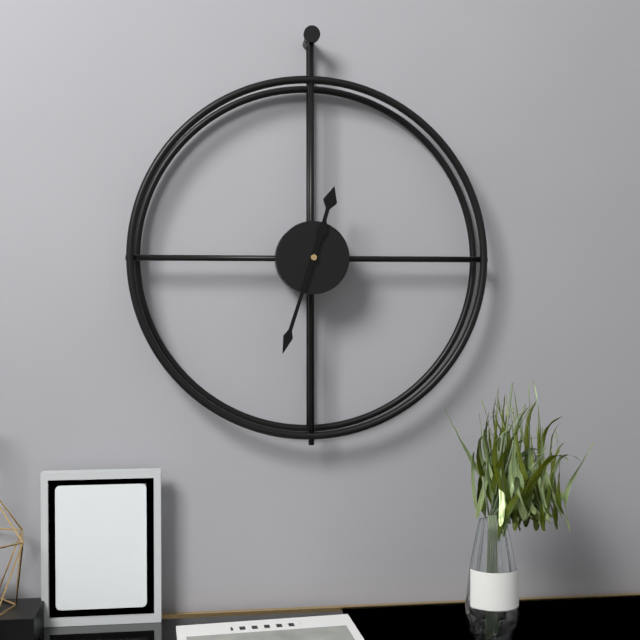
12:33
